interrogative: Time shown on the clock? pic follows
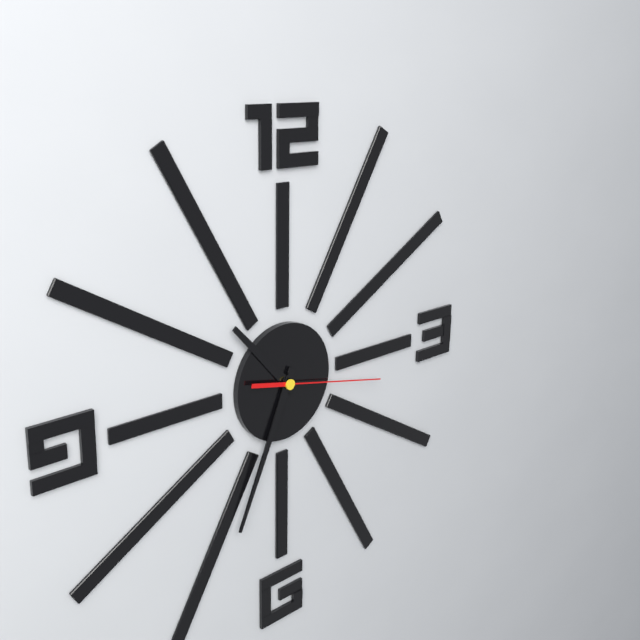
10:34:17
